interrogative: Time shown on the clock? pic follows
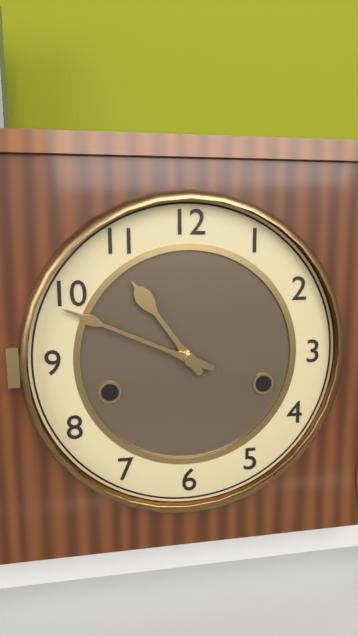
10:49
